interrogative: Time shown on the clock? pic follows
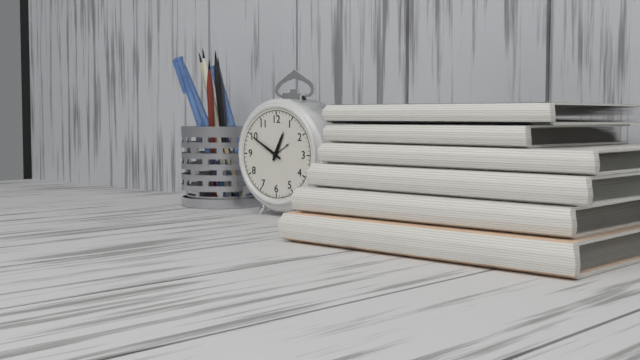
12:50
